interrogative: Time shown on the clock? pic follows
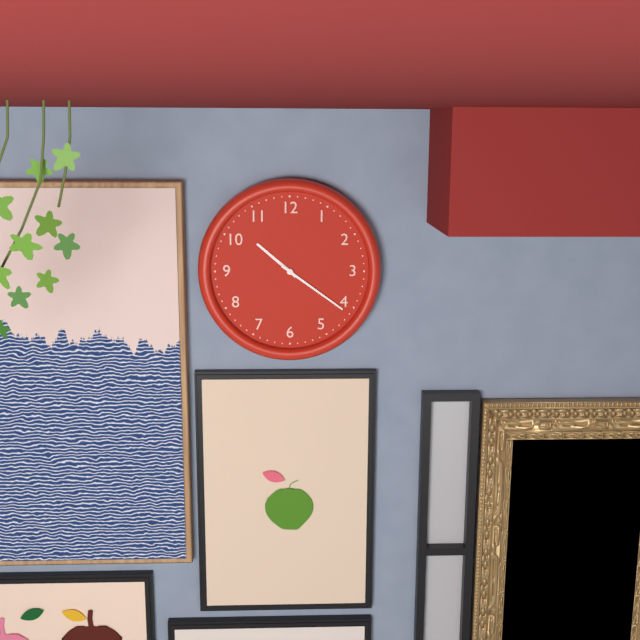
10:21
